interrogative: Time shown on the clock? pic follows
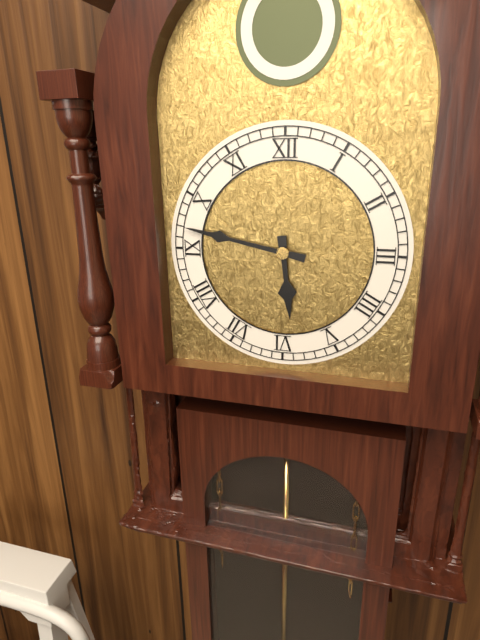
5:47
